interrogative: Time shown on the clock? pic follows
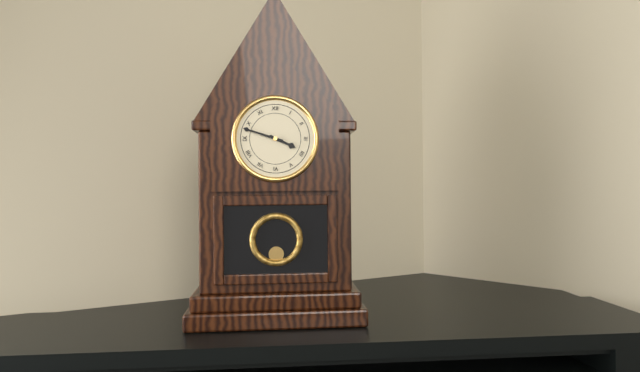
3:48
